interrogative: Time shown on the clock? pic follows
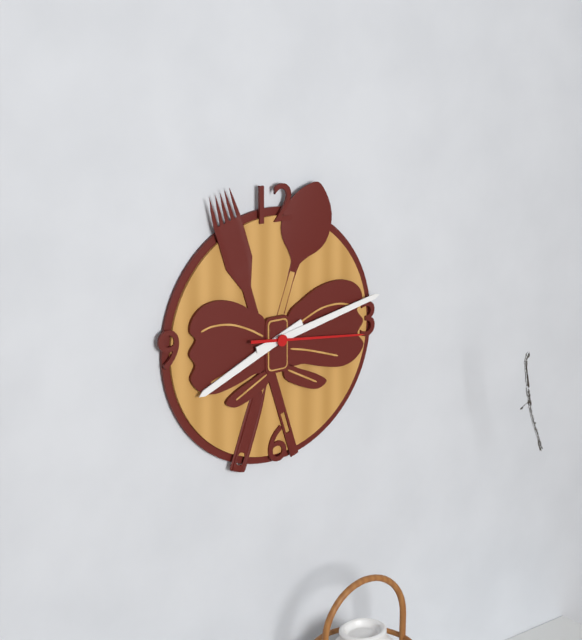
8:13:16
